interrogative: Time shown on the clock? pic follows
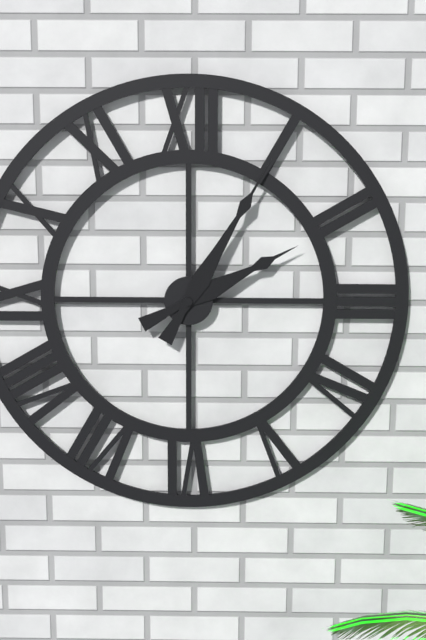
2:05
